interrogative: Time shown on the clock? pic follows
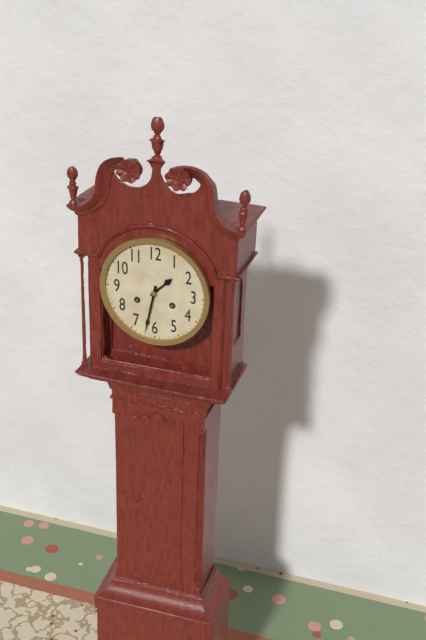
1:32
